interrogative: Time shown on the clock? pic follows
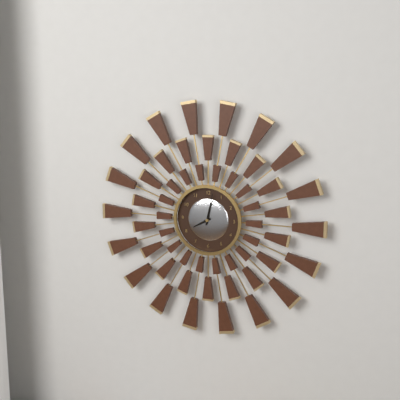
8:02
